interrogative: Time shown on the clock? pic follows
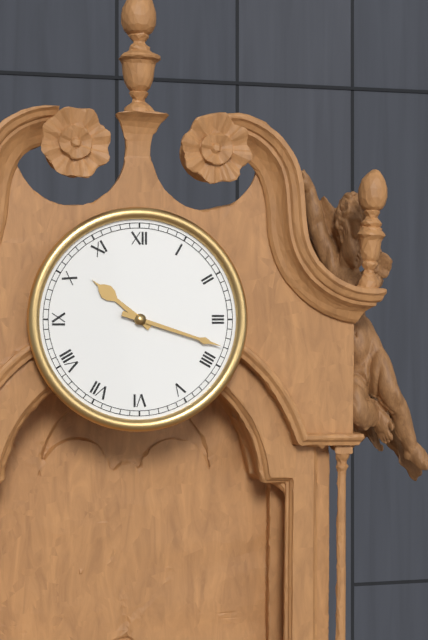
10:18
